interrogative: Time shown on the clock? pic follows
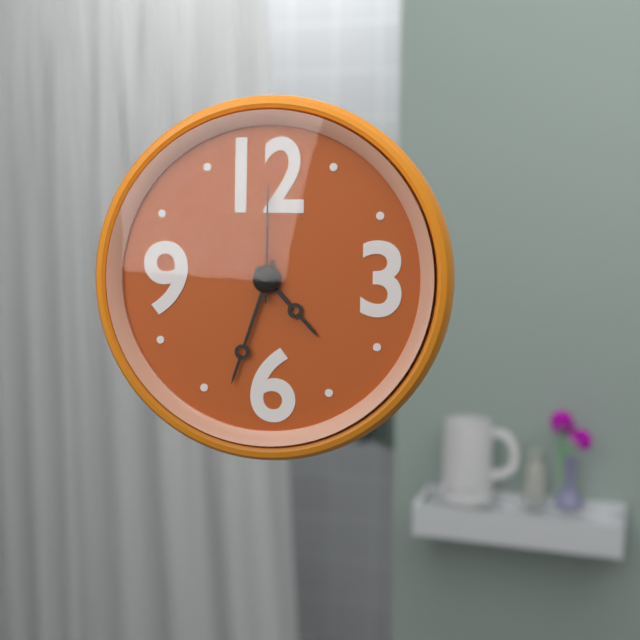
4:33:00
